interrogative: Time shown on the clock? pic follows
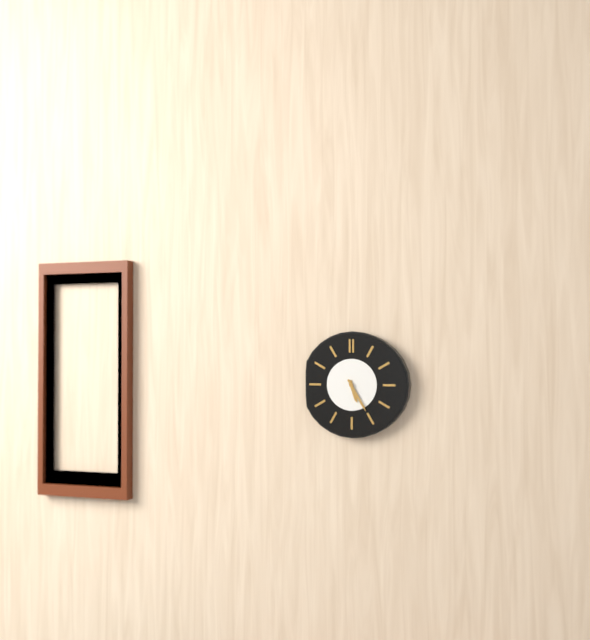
5:25
